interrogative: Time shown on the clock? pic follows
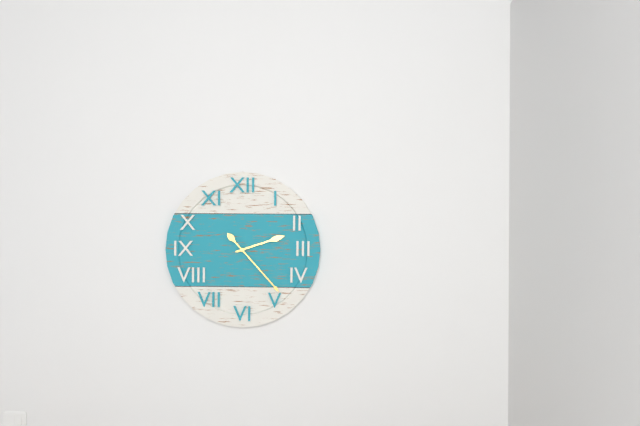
2:23
